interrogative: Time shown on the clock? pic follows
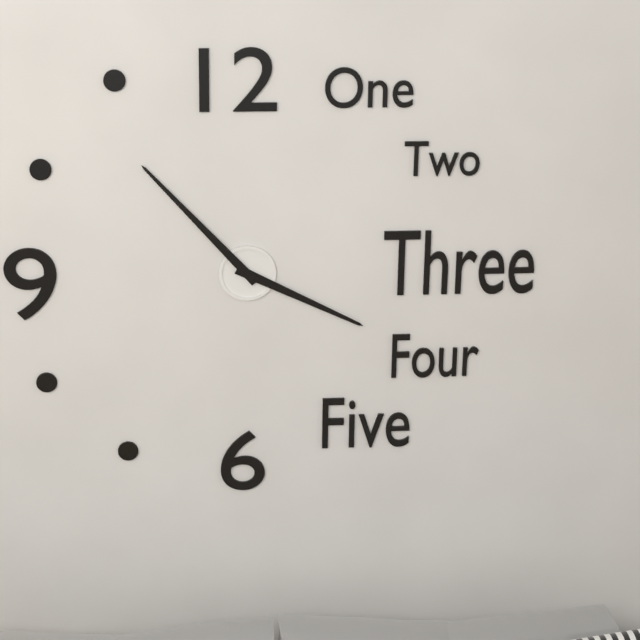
3:53
